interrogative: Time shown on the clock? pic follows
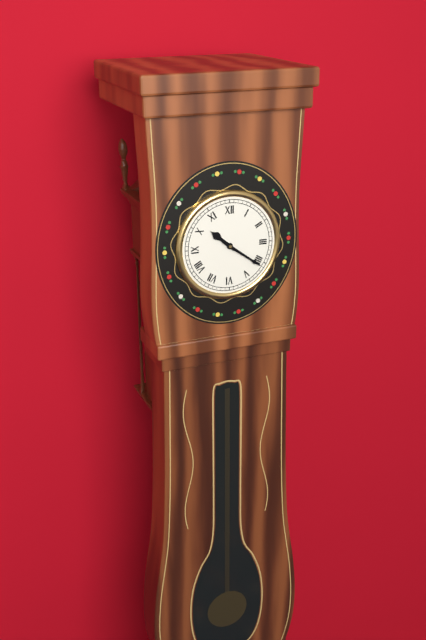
10:21
